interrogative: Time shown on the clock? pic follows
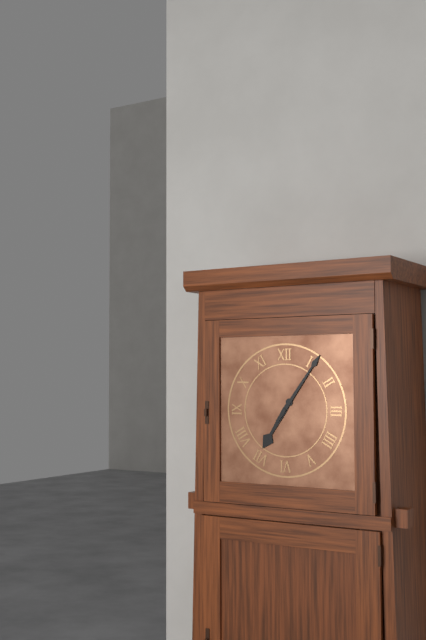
7:06
